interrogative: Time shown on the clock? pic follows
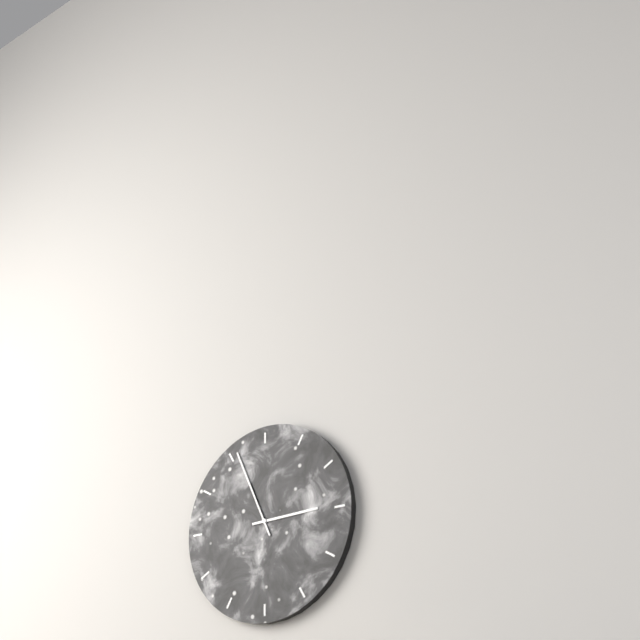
2:56
